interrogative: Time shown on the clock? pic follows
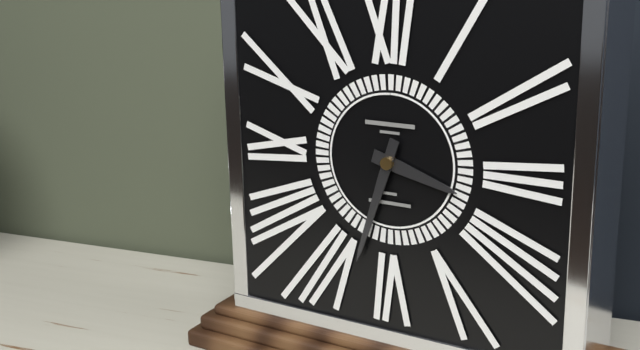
3:33
